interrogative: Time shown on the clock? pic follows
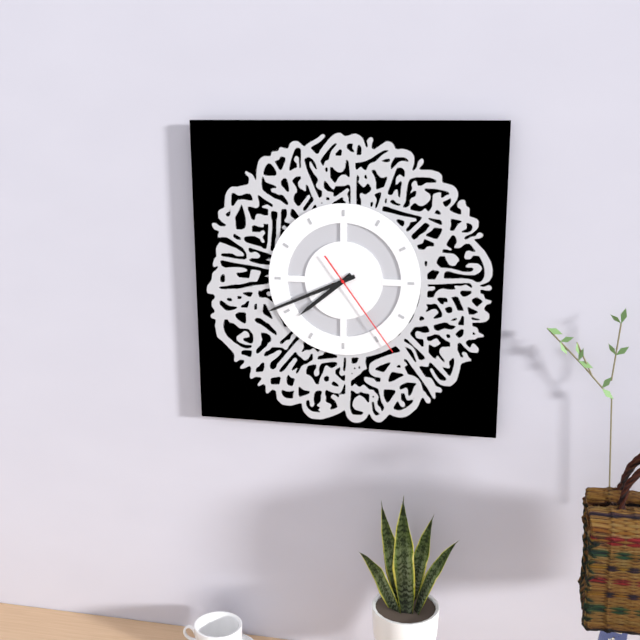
7:41:24
